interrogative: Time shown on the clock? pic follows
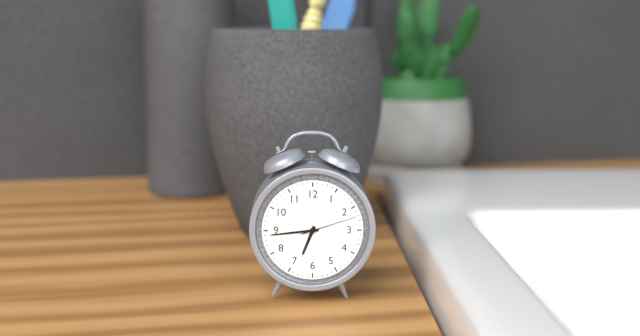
6:44:12
